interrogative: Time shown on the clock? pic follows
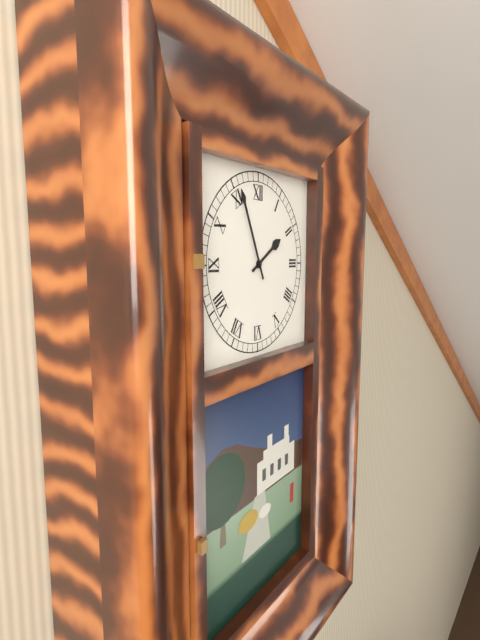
1:56
